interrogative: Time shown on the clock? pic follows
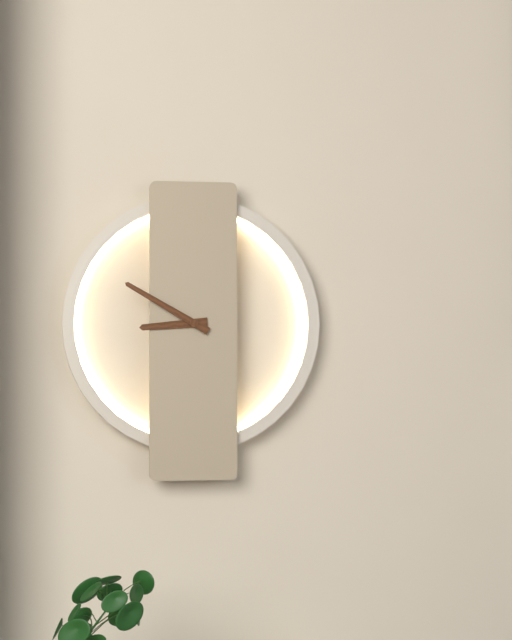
8:50
